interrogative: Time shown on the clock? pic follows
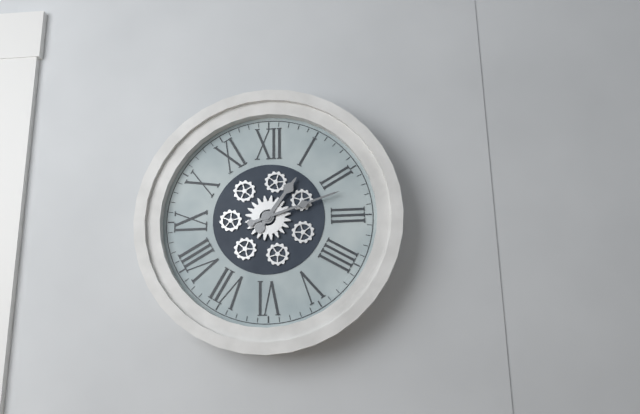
1:12
